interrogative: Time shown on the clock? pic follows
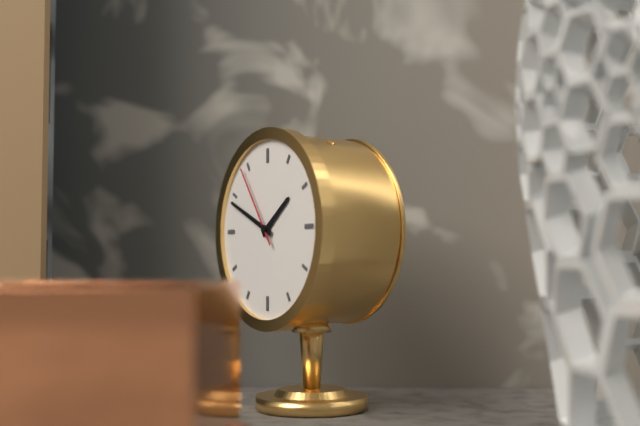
1:49:54
